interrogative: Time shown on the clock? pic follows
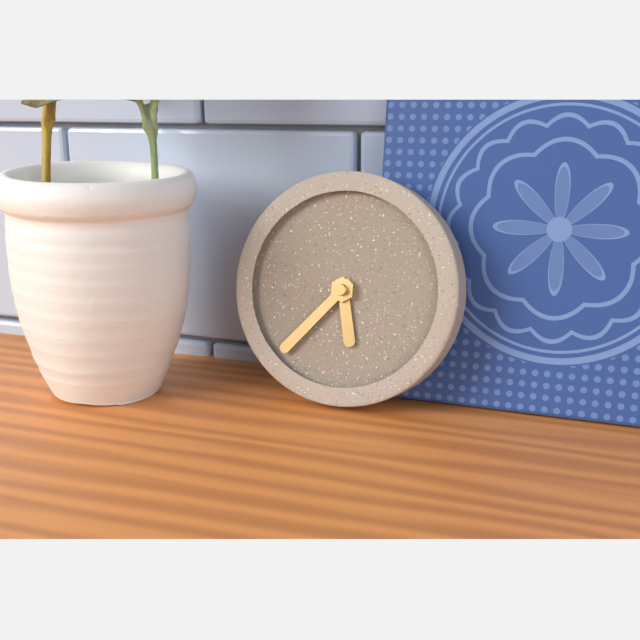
5:37
